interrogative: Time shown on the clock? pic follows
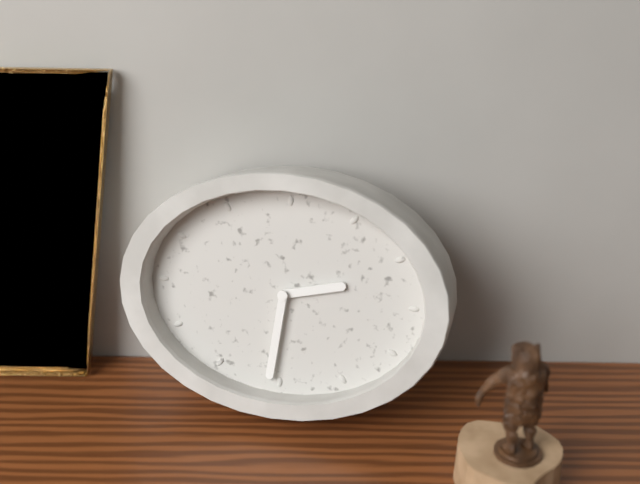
2:31
